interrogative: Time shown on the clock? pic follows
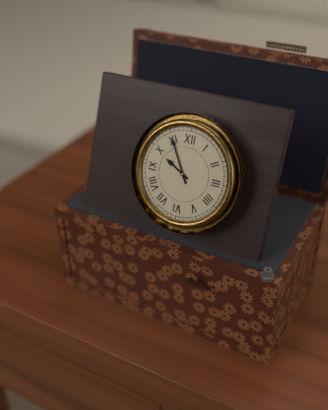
9:55
